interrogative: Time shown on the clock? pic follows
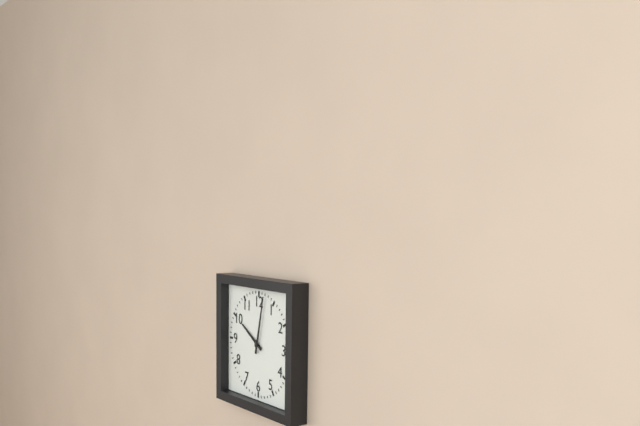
10:02
